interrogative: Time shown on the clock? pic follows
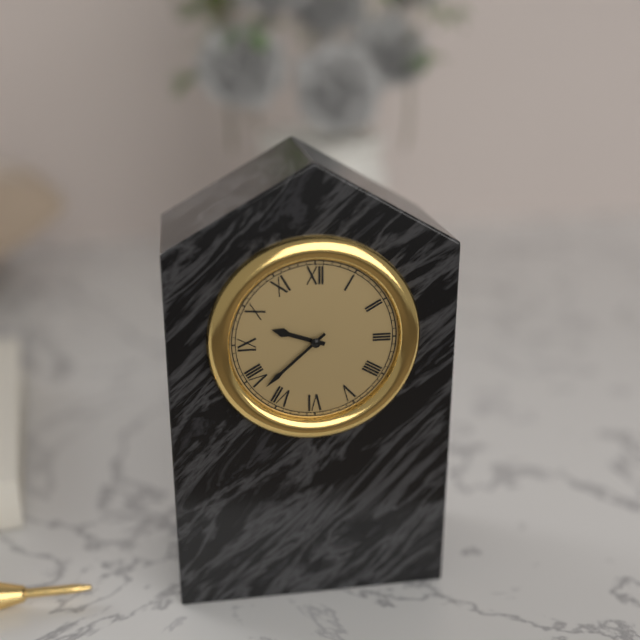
9:38
